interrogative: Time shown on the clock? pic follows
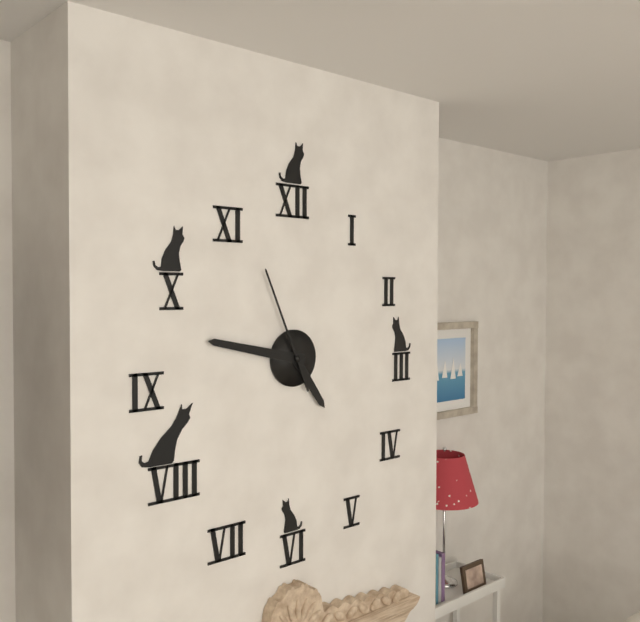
4:47:56
